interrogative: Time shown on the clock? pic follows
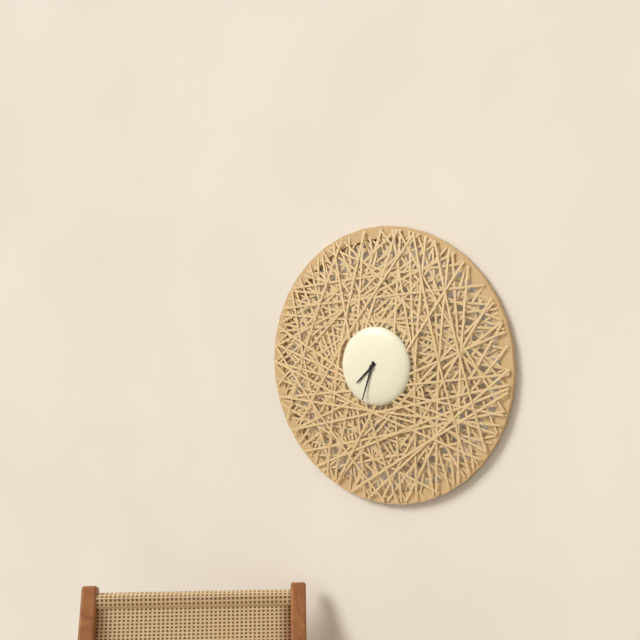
7:33
